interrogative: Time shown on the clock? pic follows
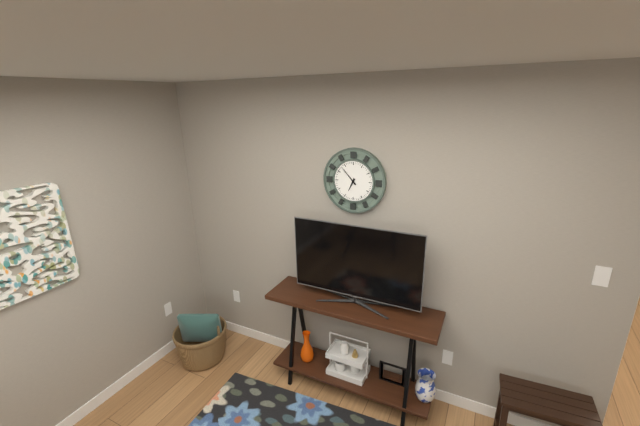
6:53
